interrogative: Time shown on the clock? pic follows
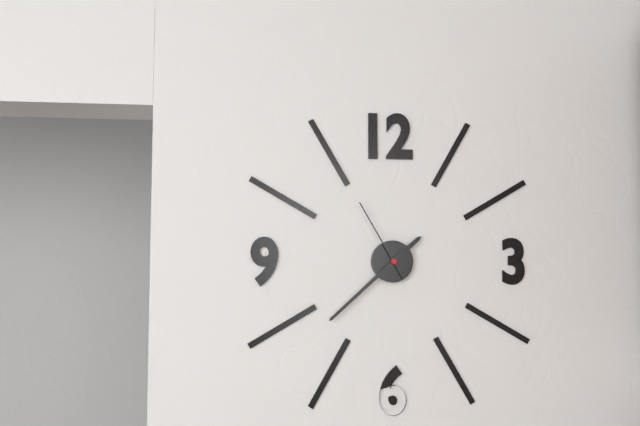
1:38:55
